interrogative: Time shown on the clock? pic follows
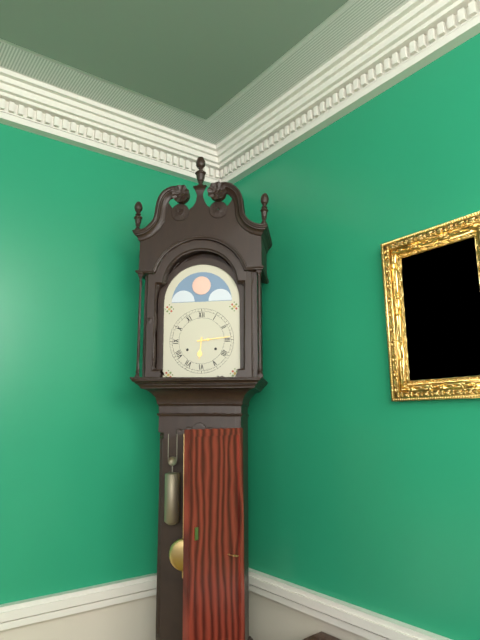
6:14
